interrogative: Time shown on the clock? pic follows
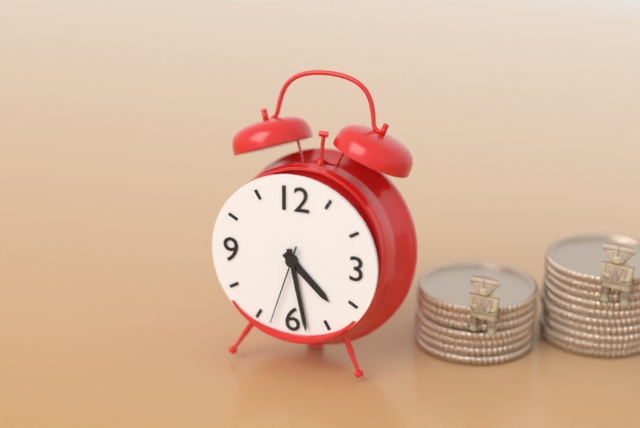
4:28:33
